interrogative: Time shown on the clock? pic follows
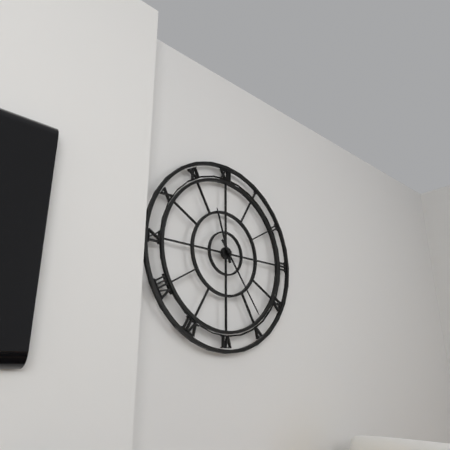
11:24
